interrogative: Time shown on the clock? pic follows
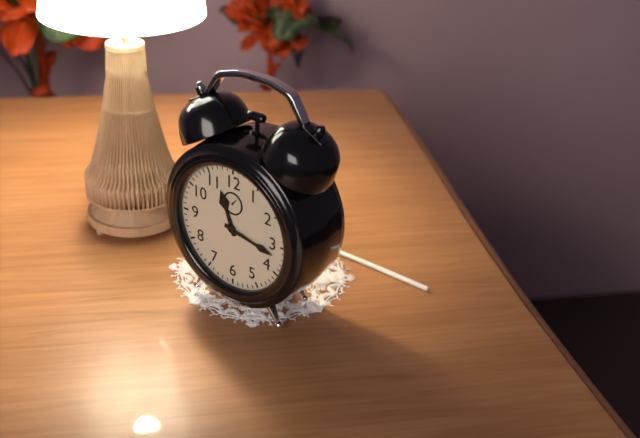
11:17
